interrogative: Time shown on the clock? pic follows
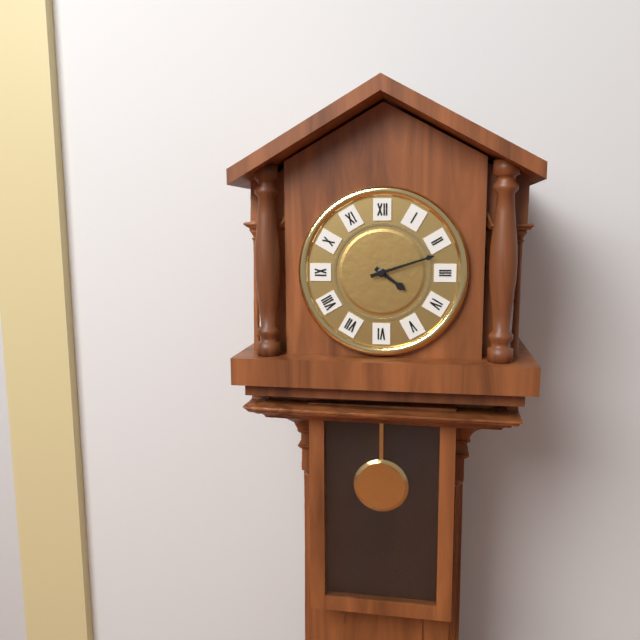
4:12
